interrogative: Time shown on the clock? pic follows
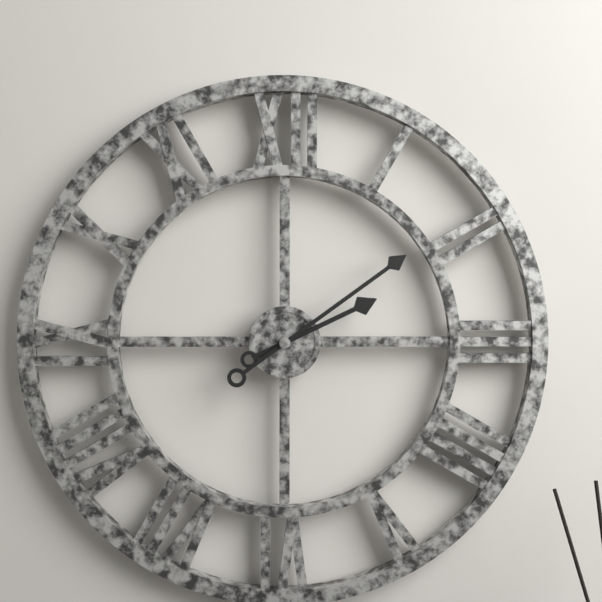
2:09
